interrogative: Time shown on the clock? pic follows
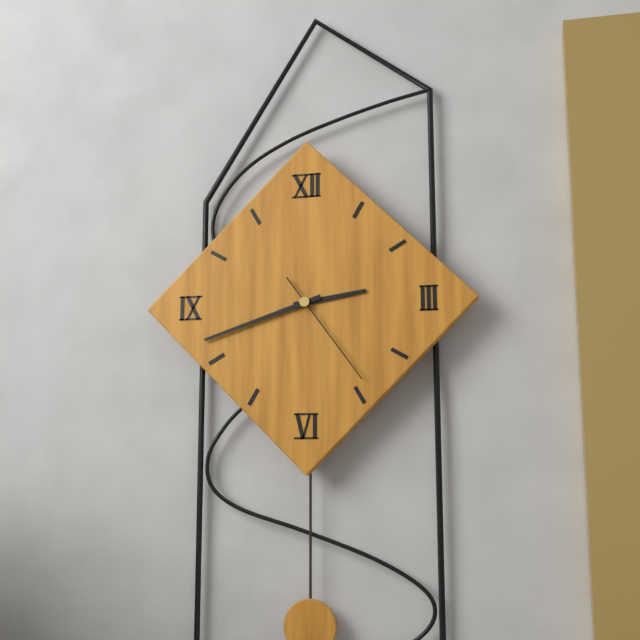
2:42:24
